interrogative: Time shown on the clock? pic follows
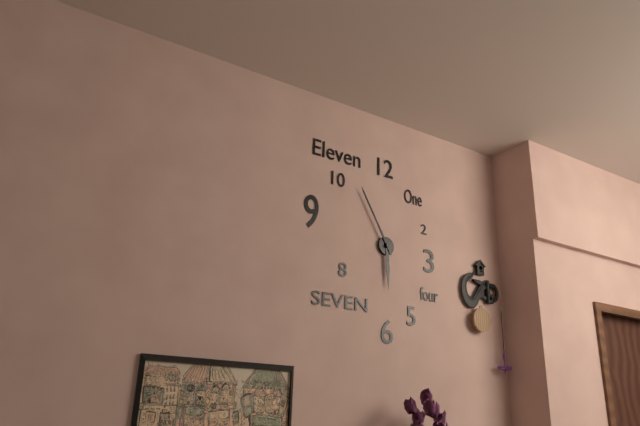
5:55
